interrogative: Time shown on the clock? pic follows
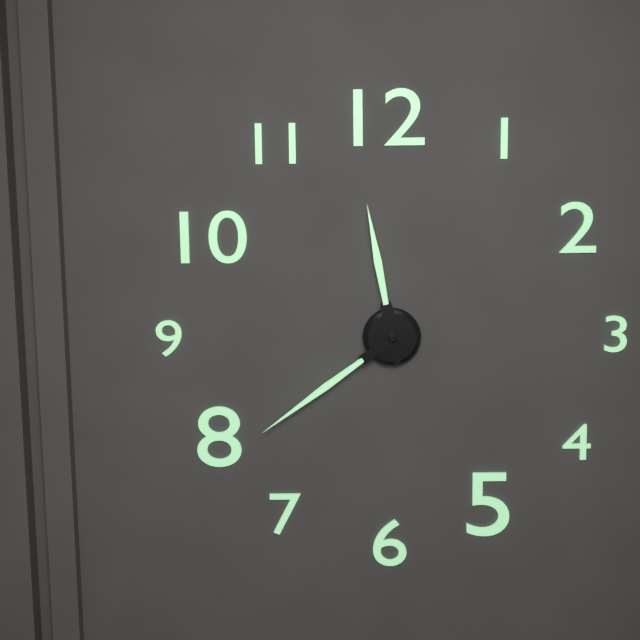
11:39
